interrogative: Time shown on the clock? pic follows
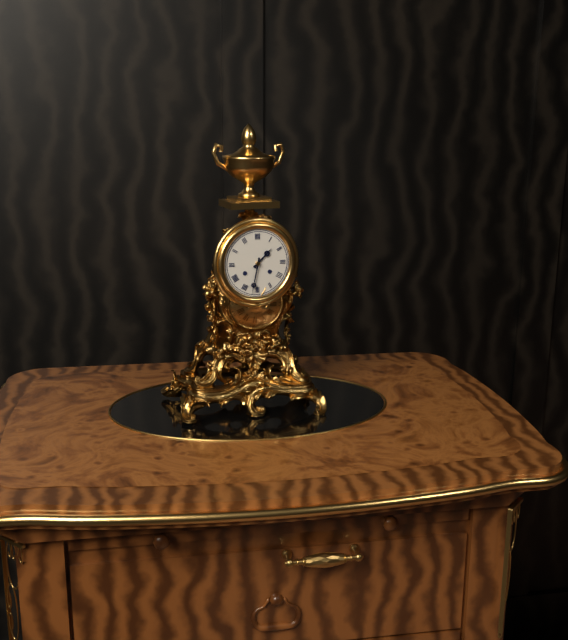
1:32
